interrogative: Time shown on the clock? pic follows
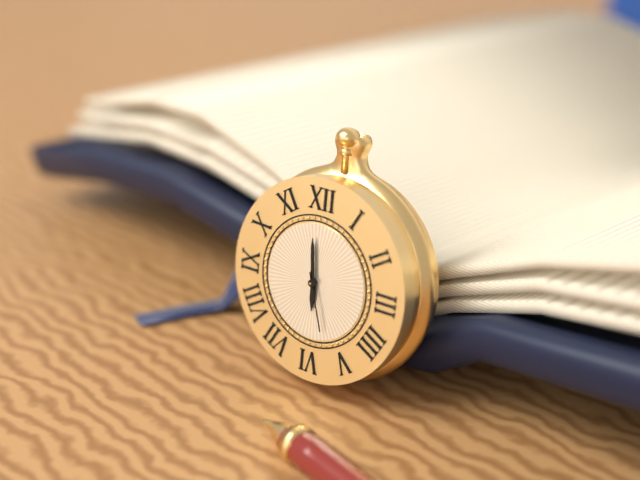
5:59:27
